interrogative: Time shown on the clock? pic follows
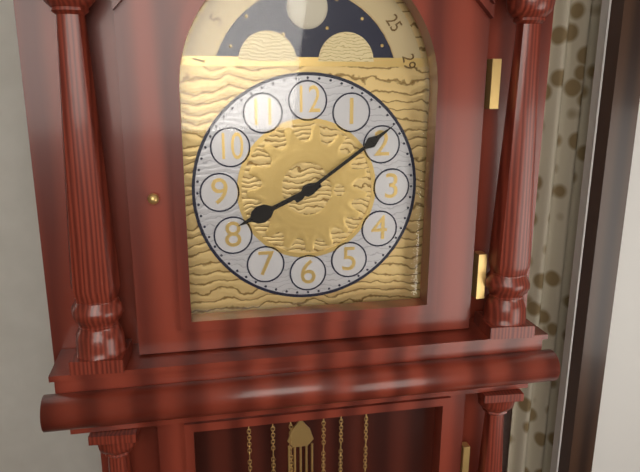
8:09
